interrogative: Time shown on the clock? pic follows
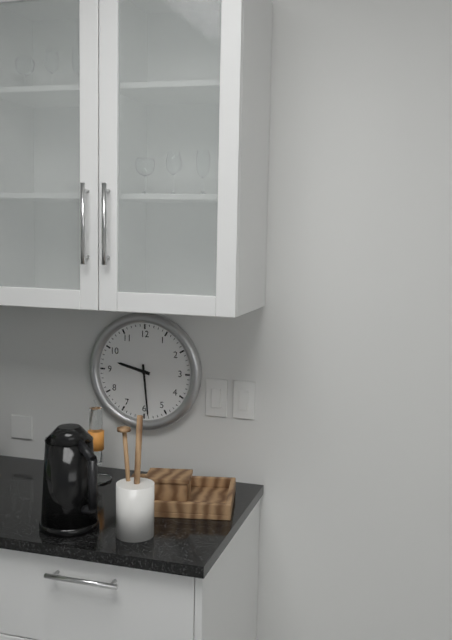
9:29
